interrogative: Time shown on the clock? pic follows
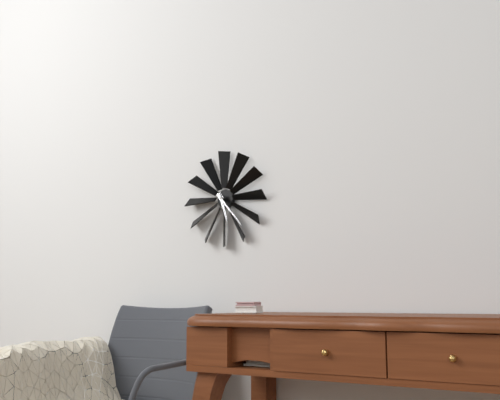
5:23
